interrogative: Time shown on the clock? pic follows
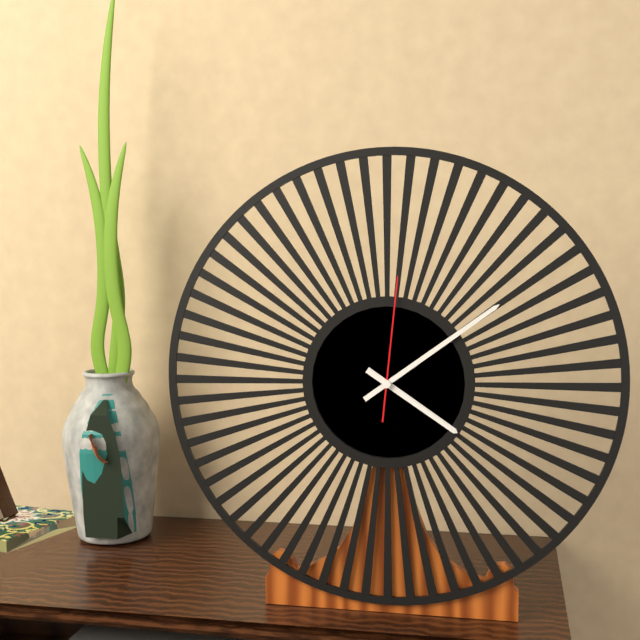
4:09:01
